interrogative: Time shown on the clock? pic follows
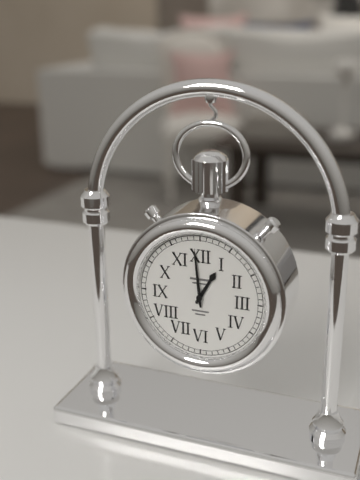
12:59
